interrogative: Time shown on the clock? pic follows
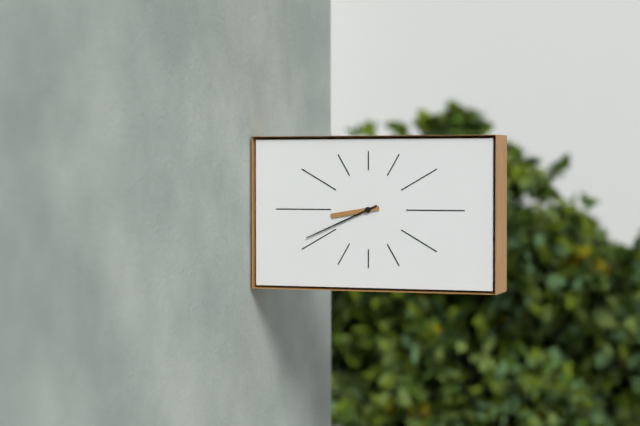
8:41
